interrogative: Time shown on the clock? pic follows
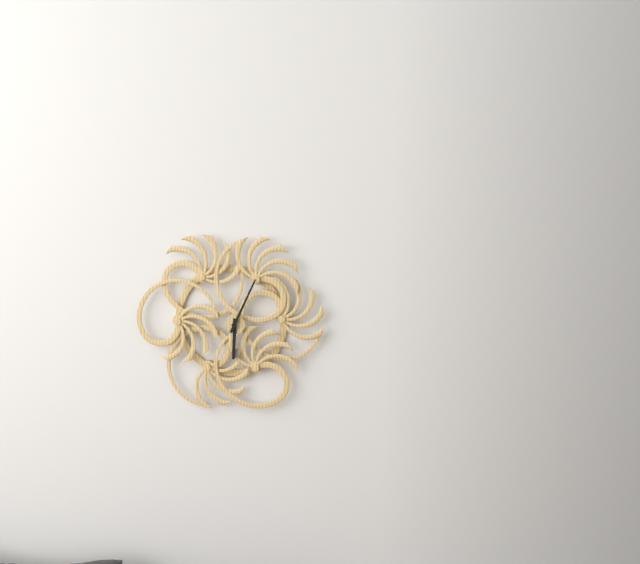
6:04
